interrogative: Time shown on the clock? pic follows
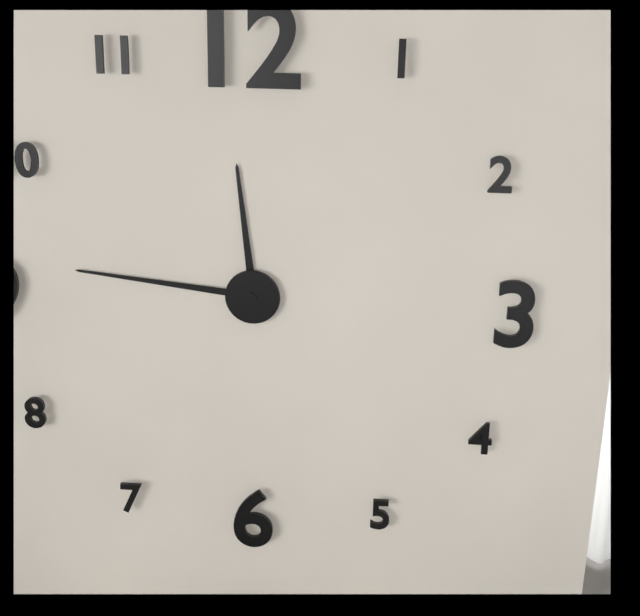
11:46
